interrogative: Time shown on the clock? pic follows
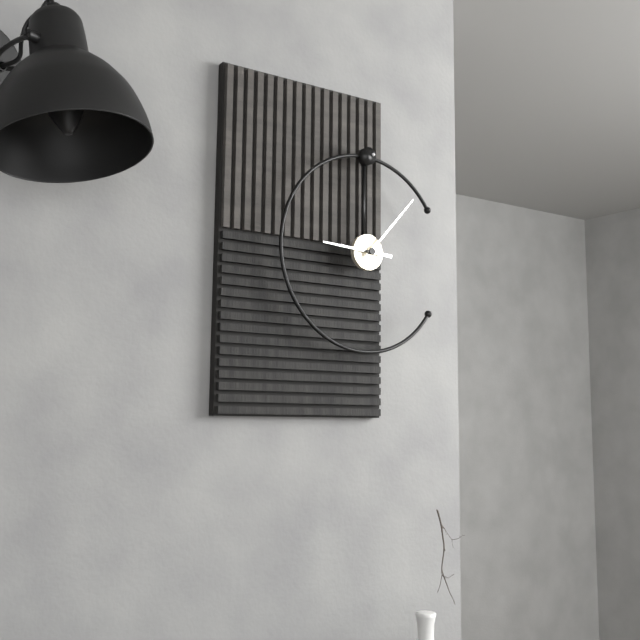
9:07
